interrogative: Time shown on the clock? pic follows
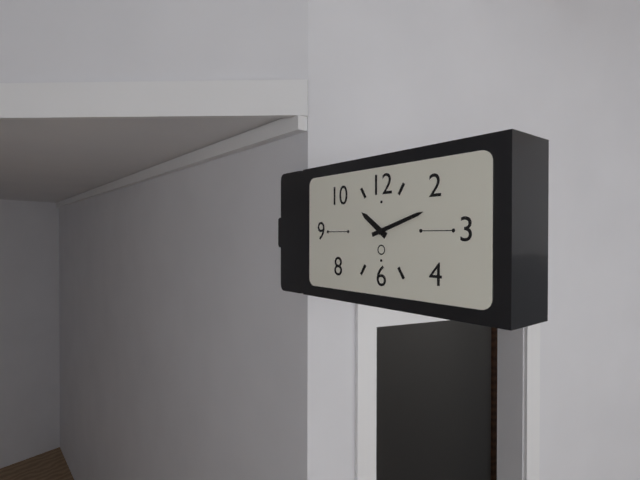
10:12
